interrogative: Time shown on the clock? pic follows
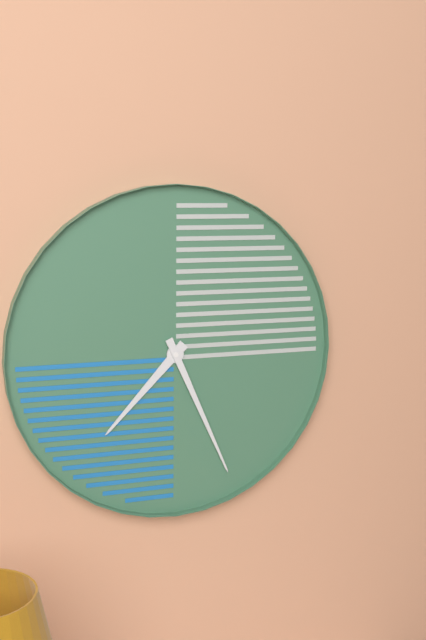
7:26
